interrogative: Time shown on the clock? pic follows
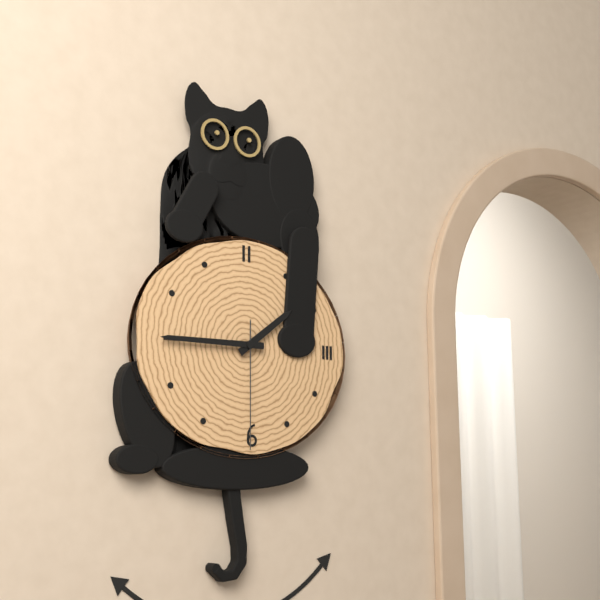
1:45:30
